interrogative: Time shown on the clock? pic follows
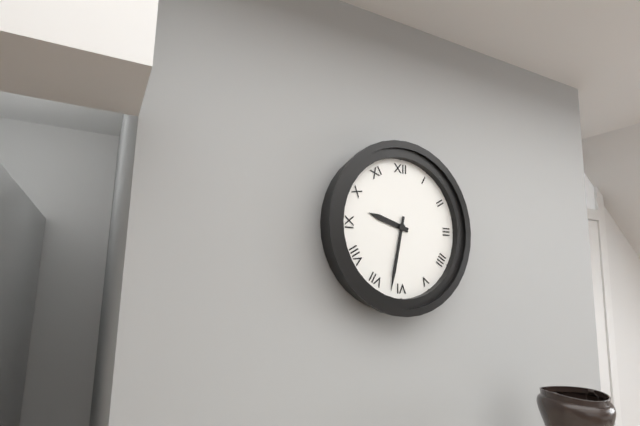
9:32
